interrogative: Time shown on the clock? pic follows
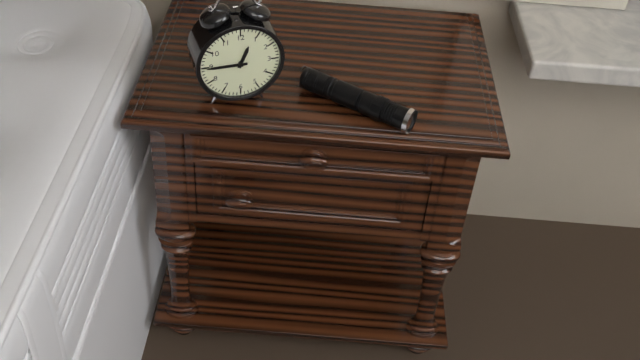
12:45
